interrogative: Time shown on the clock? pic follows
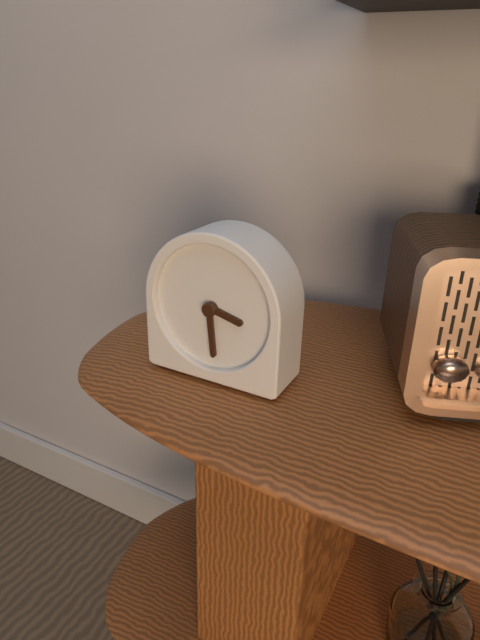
3:29
